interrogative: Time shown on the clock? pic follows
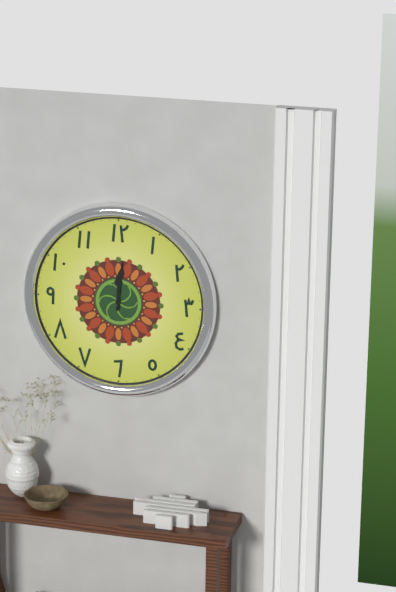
12:01
